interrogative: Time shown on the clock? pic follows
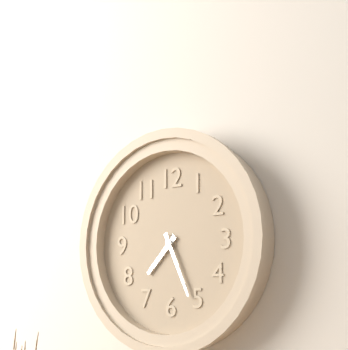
7:26
